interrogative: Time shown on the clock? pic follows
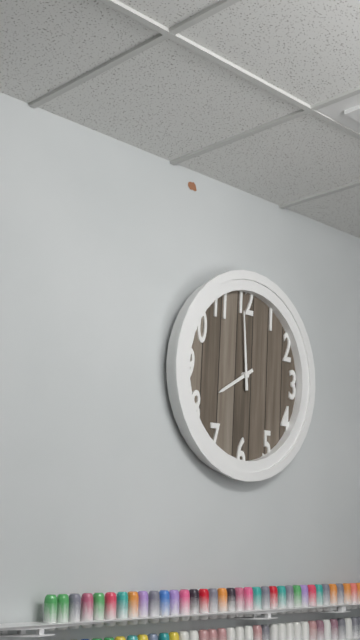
7:59
